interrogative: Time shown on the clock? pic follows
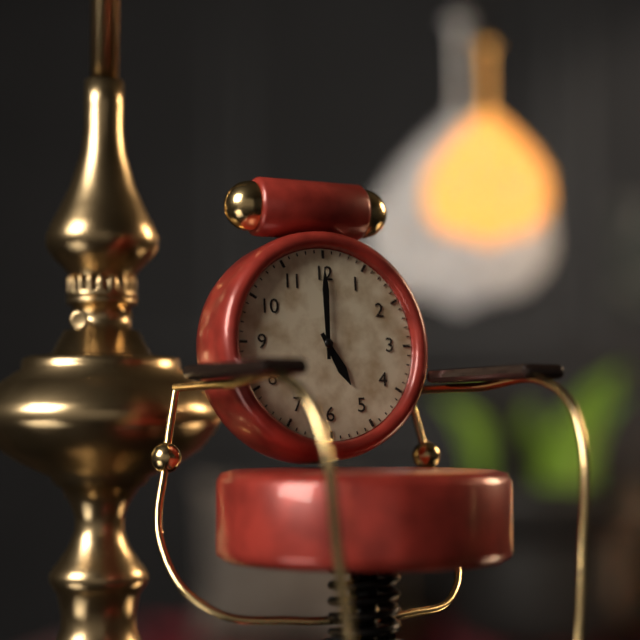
5:00
